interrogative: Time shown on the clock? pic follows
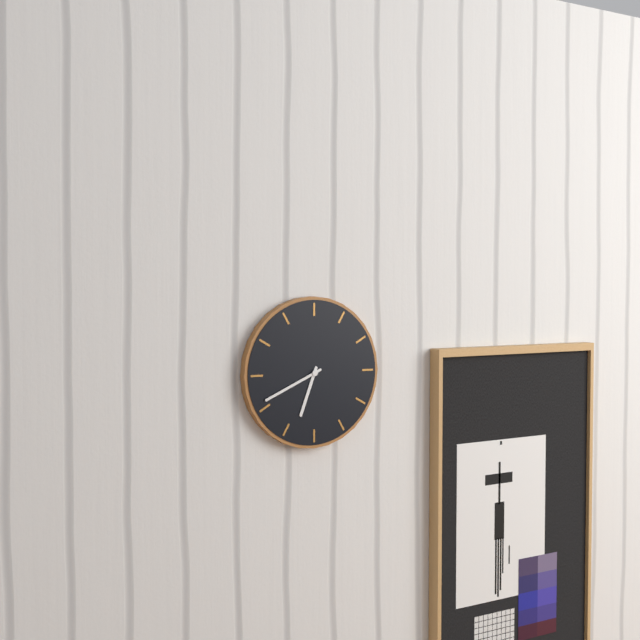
6:41
